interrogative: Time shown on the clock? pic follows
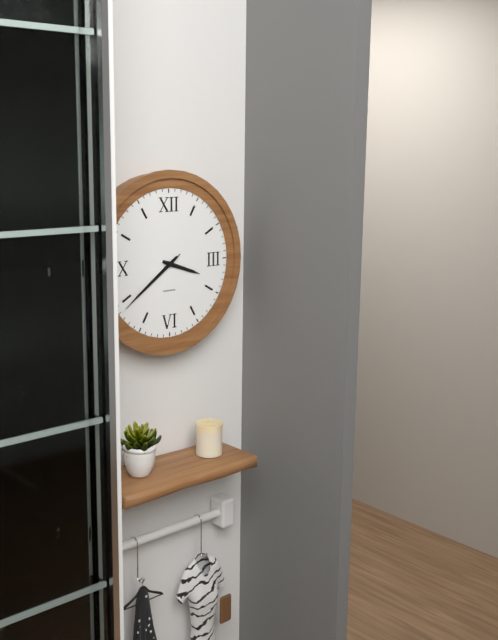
3:39:39
